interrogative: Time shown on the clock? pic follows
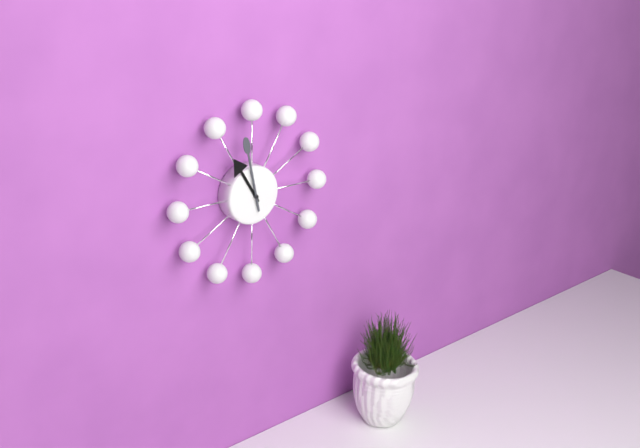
10:58
